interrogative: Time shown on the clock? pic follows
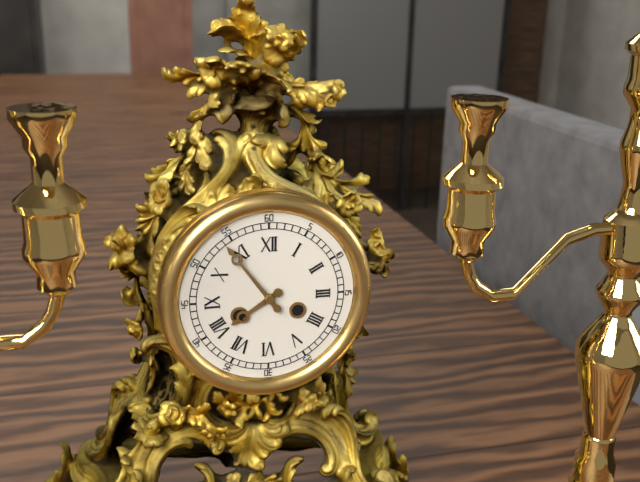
7:54
